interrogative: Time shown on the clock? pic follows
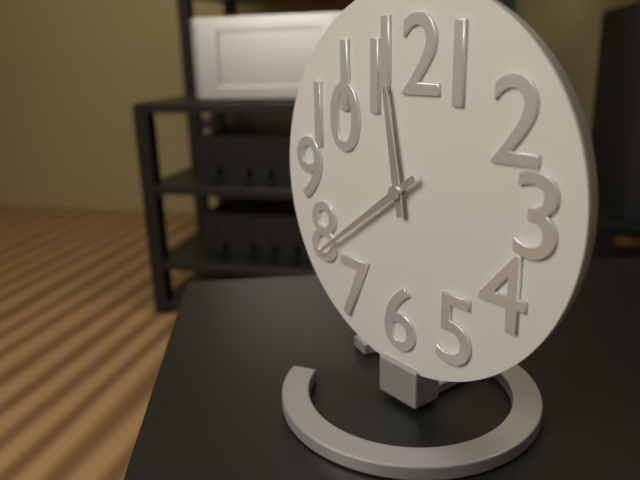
11:39
